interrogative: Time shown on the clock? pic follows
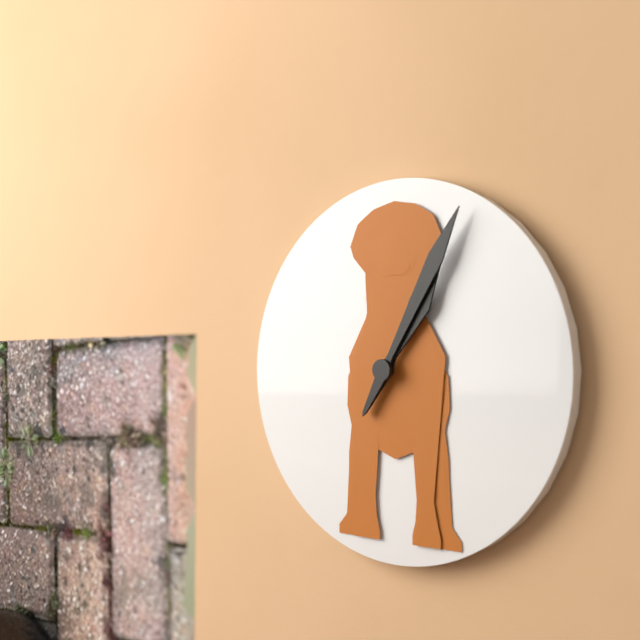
1:05
